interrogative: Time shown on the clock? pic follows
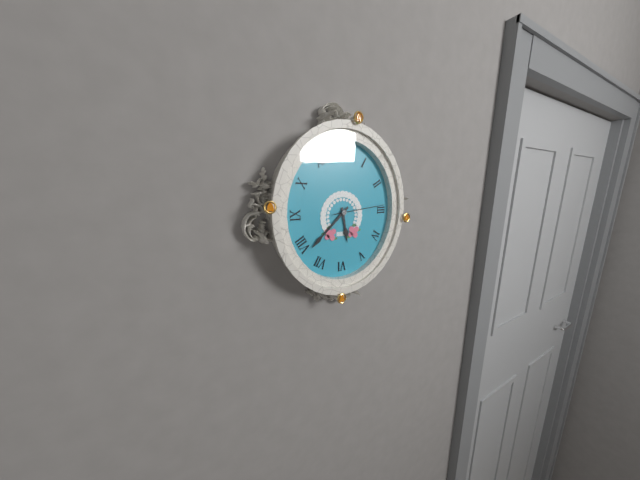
5:38:14
